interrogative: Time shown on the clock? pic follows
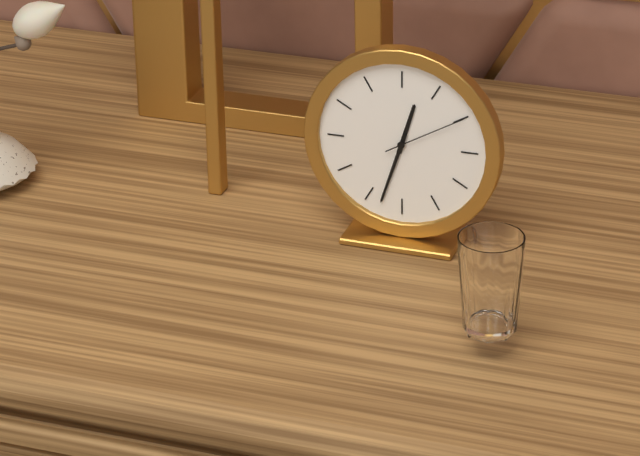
12:33:10
